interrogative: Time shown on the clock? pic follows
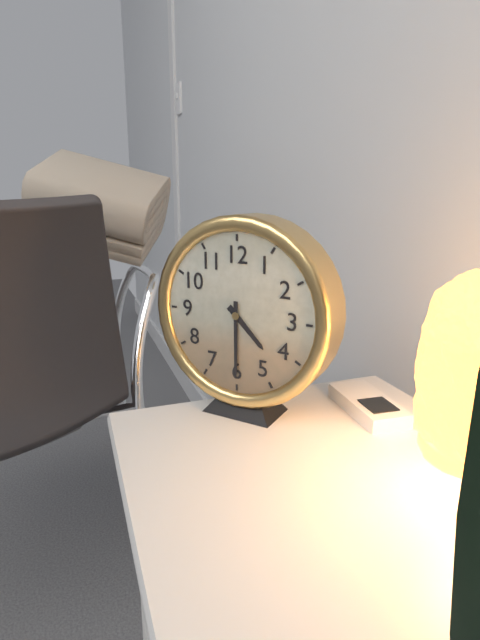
4:30
